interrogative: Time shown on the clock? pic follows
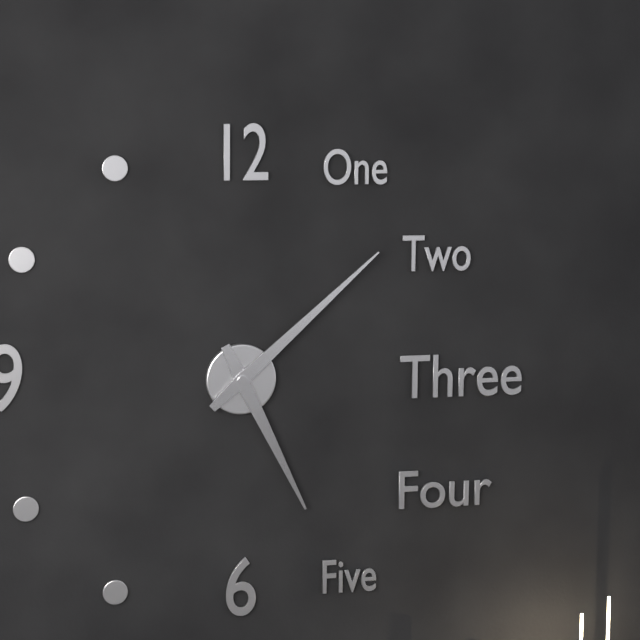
5:08
